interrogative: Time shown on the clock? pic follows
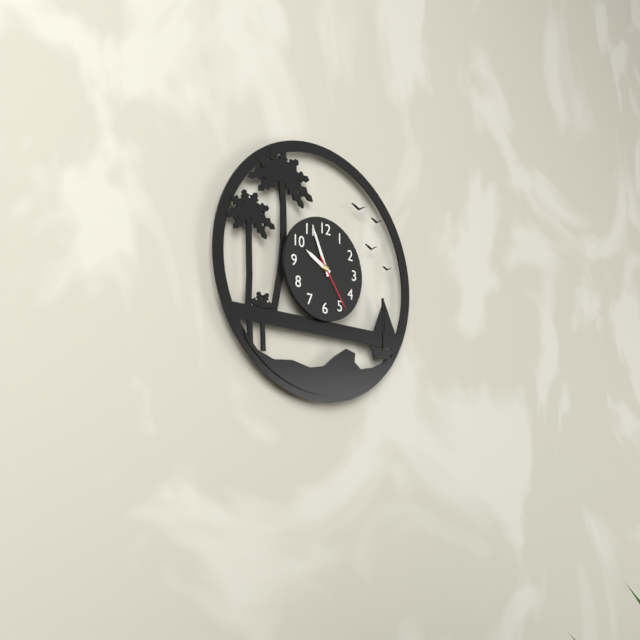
9:56:24
